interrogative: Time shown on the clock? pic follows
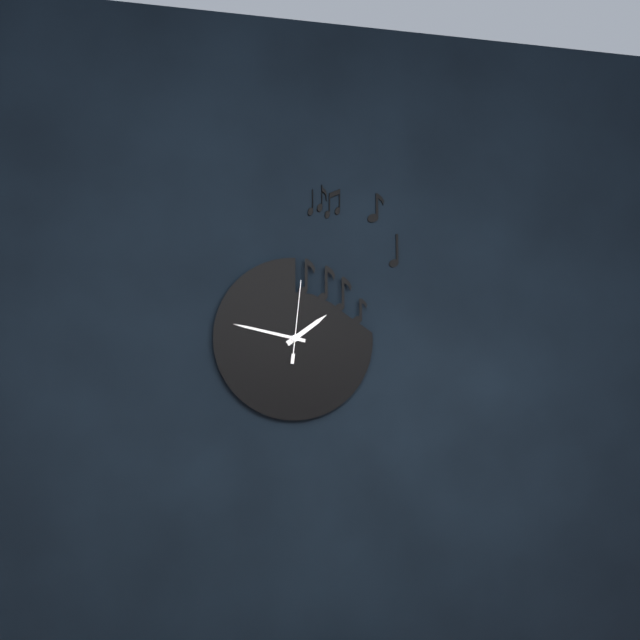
1:47:01
